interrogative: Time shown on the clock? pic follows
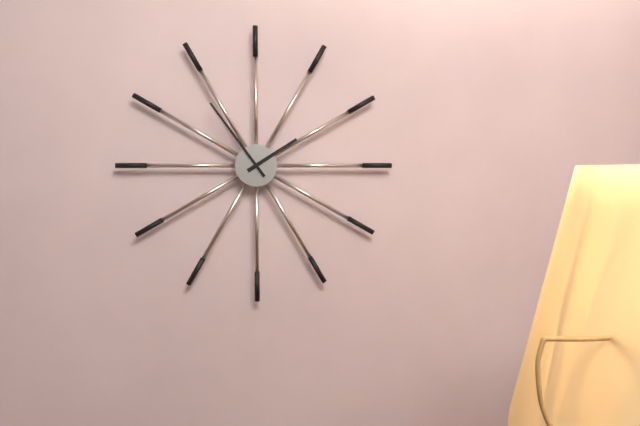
1:54
